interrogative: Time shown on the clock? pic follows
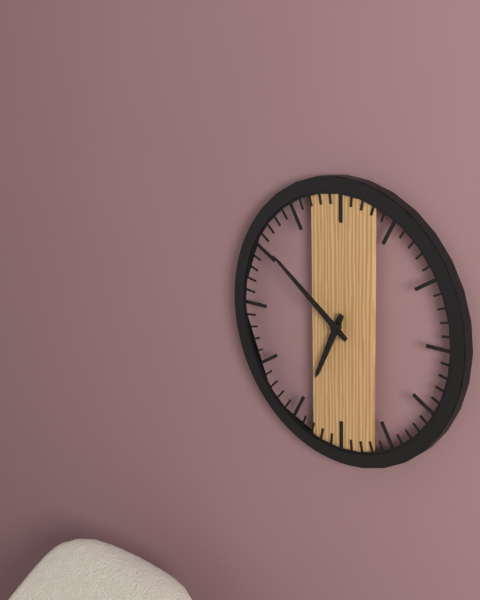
6:51
